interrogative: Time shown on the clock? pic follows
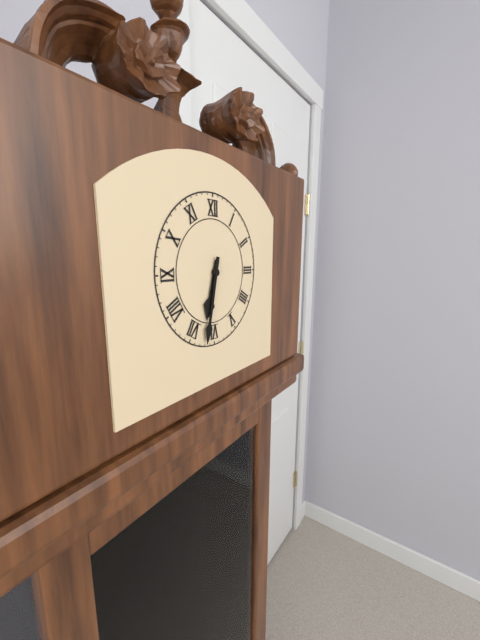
6:32
